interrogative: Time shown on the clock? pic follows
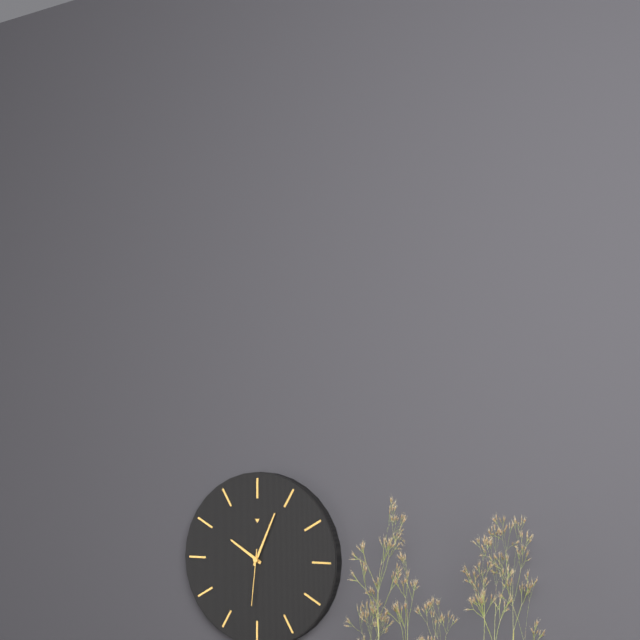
10:04:31
